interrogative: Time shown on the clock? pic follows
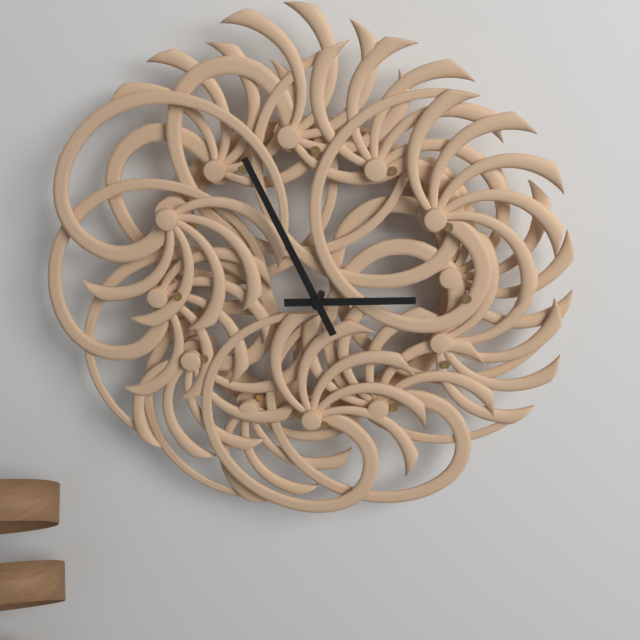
2:56
